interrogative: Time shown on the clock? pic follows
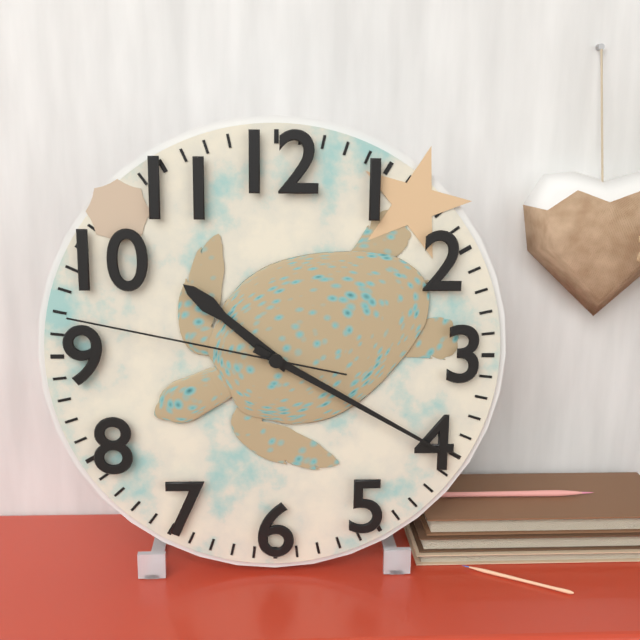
10:20:47
